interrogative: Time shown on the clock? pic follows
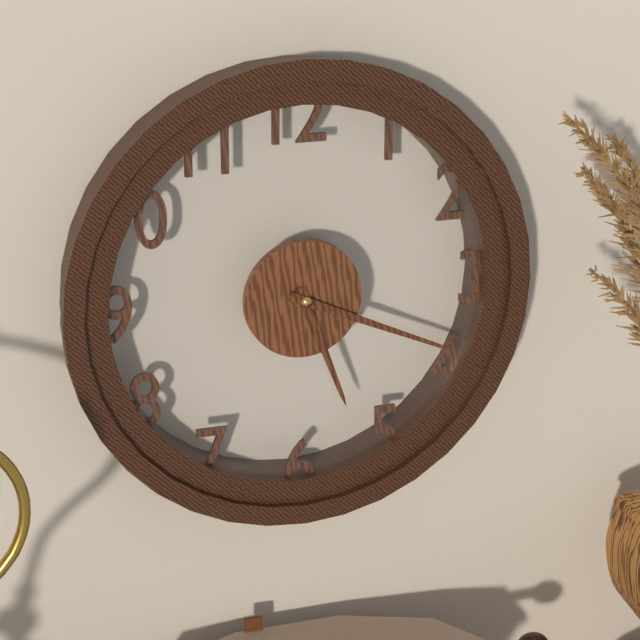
5:19
